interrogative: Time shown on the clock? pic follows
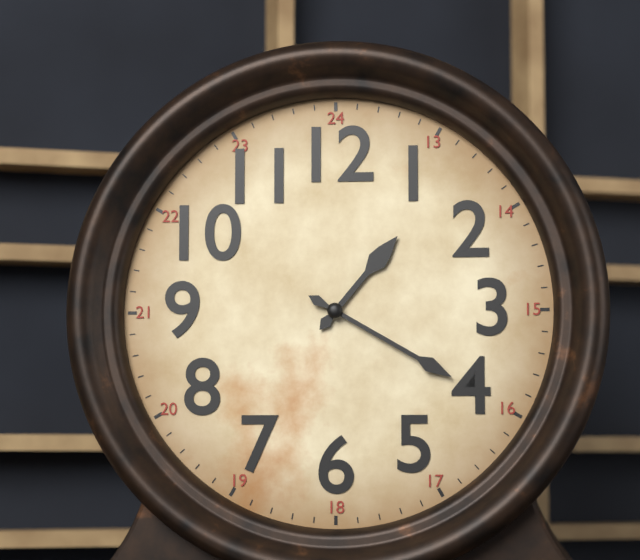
1:20
